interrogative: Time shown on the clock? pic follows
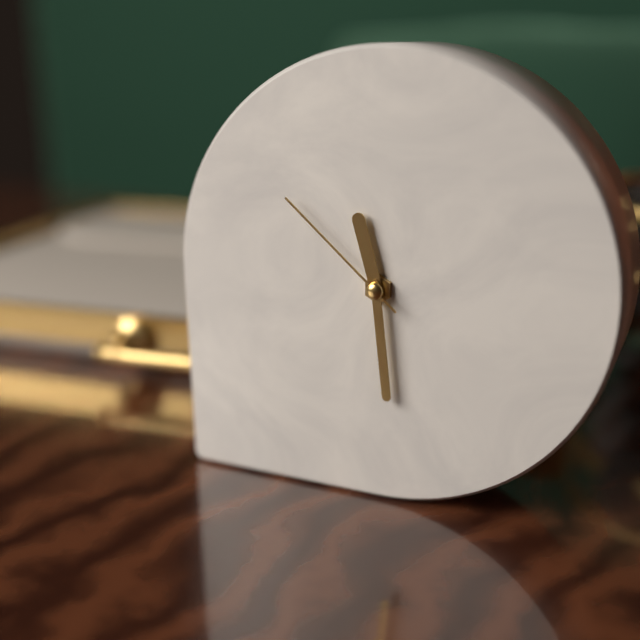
11:29:52
